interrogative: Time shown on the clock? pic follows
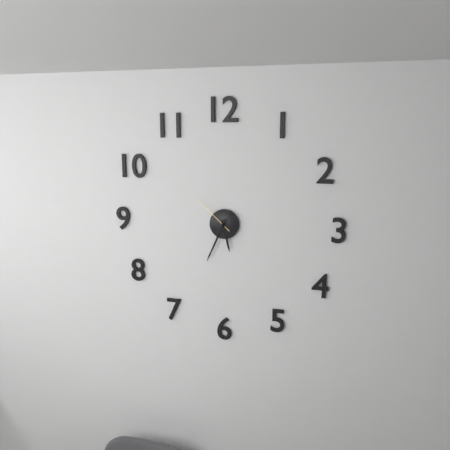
5:34
